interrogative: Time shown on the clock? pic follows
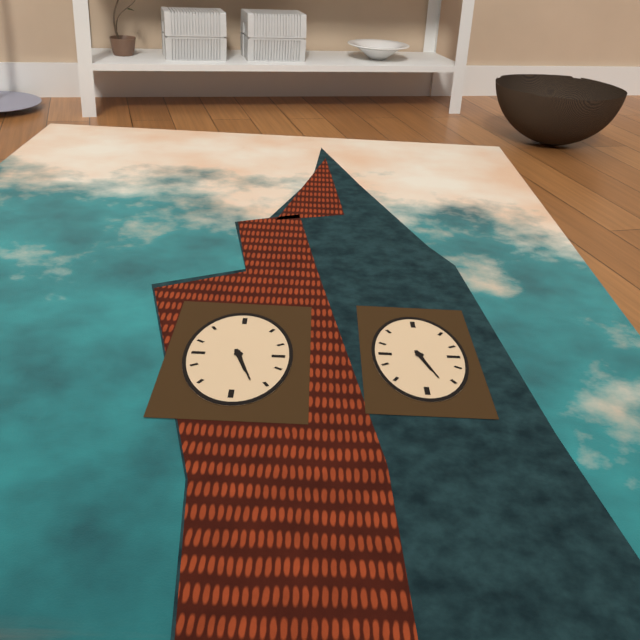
5:27
